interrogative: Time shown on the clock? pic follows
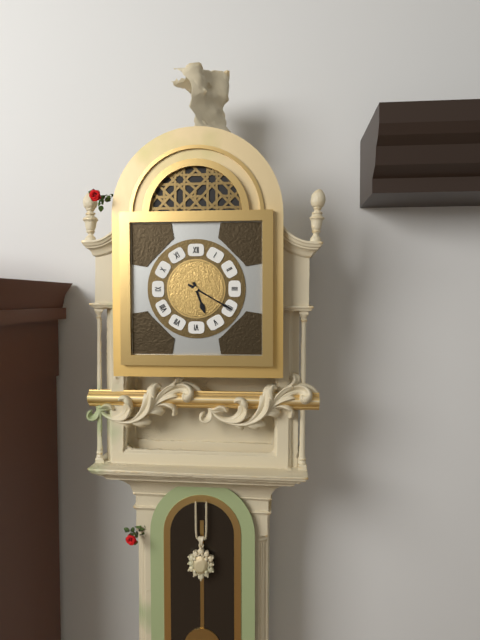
5:20
